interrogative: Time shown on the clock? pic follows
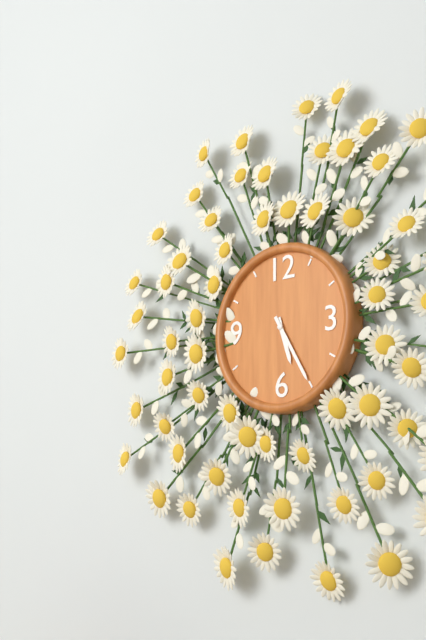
5:25
